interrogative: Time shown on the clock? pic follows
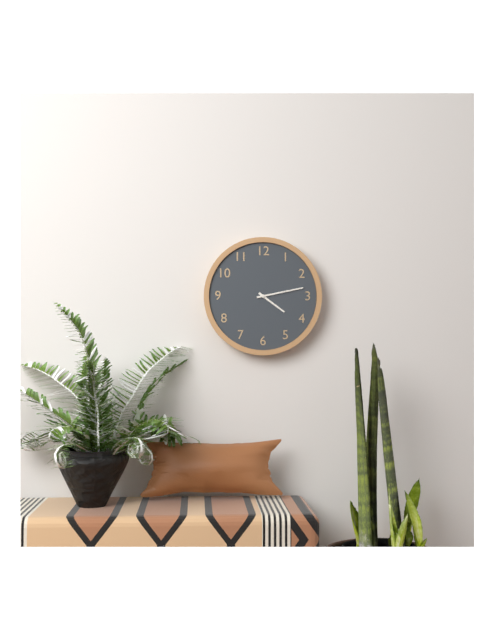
4:13
